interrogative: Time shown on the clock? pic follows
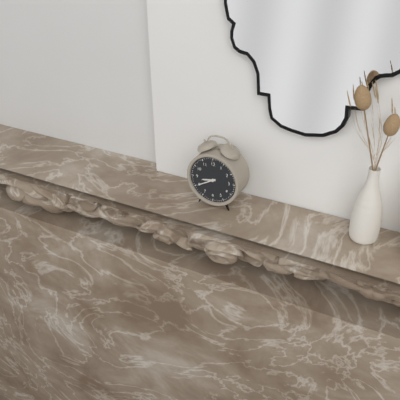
8:40
